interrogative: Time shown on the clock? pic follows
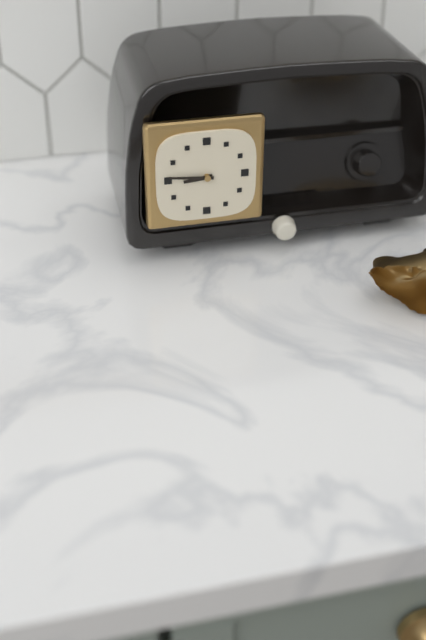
8:46
